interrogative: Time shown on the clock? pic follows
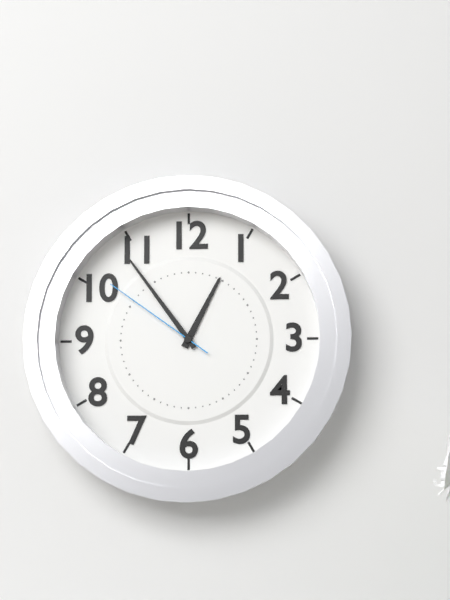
12:54:51
